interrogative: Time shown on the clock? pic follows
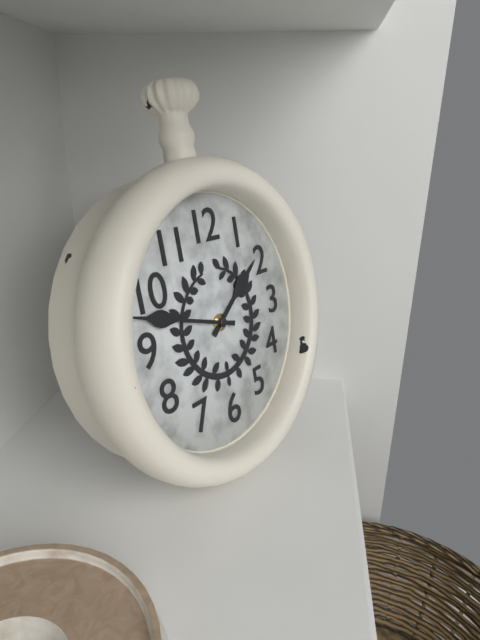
1:48
